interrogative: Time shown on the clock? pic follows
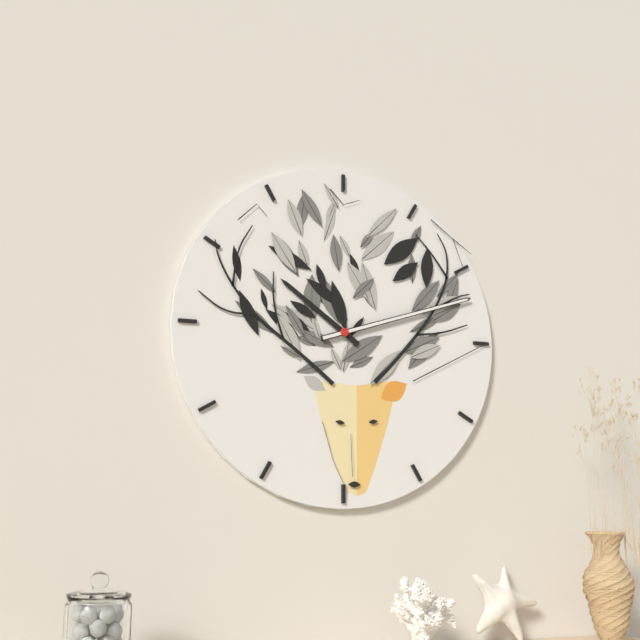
10:12
